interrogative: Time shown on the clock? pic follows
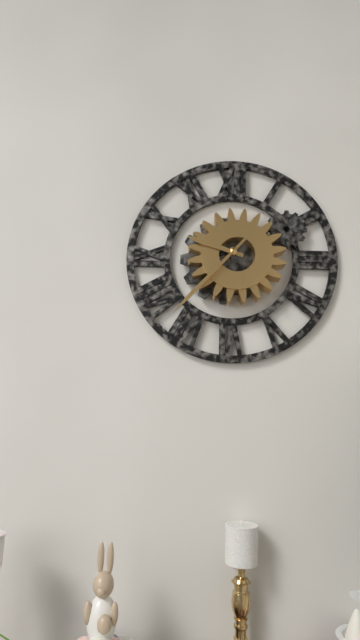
9:37
